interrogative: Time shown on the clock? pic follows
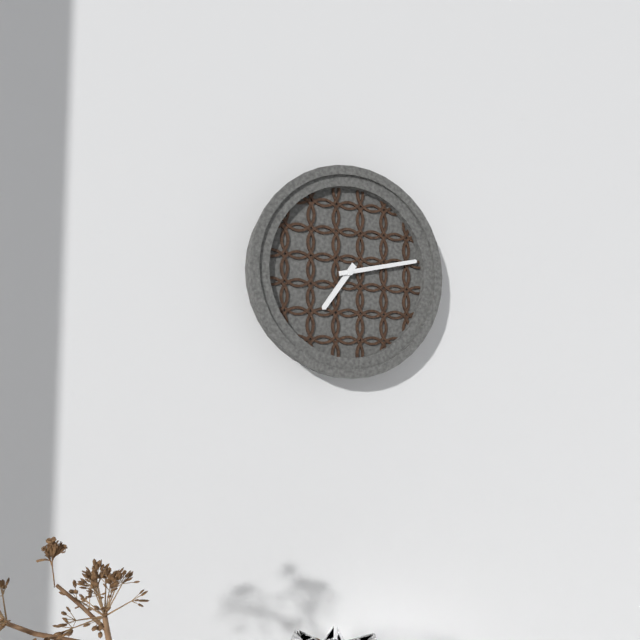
7:13
